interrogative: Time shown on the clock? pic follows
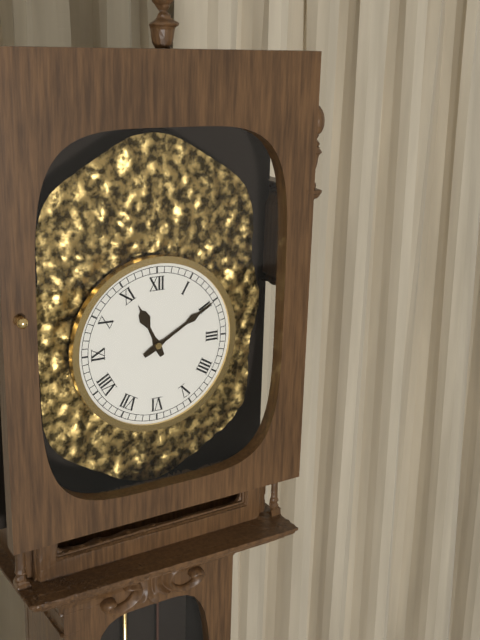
11:10
